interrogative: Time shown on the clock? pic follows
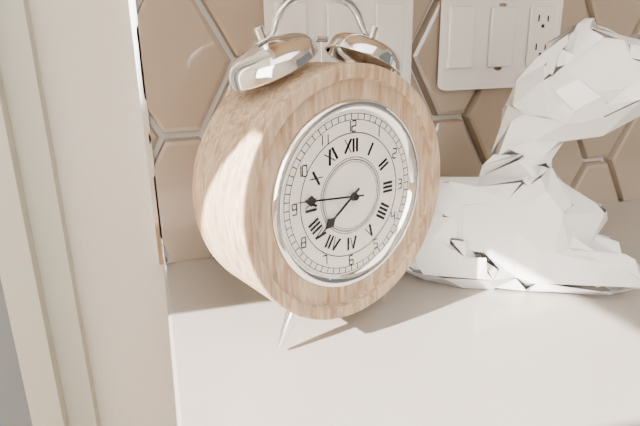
7:46
